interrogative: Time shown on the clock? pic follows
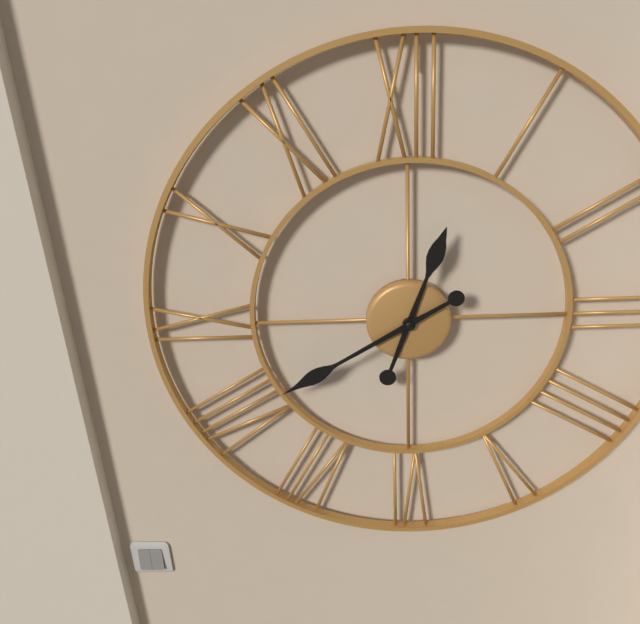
12:40
